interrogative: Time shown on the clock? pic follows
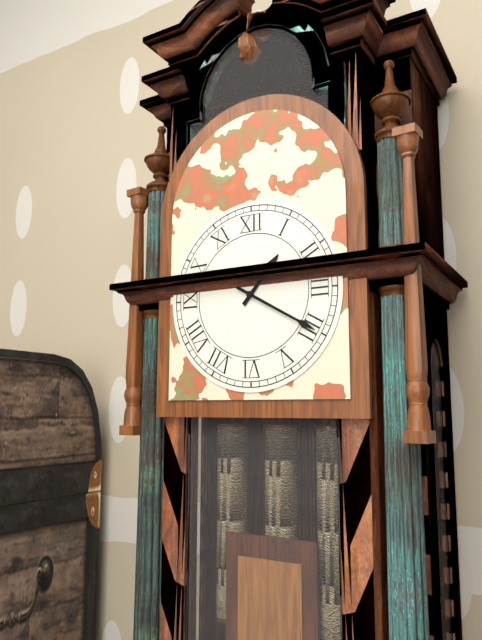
1:20
